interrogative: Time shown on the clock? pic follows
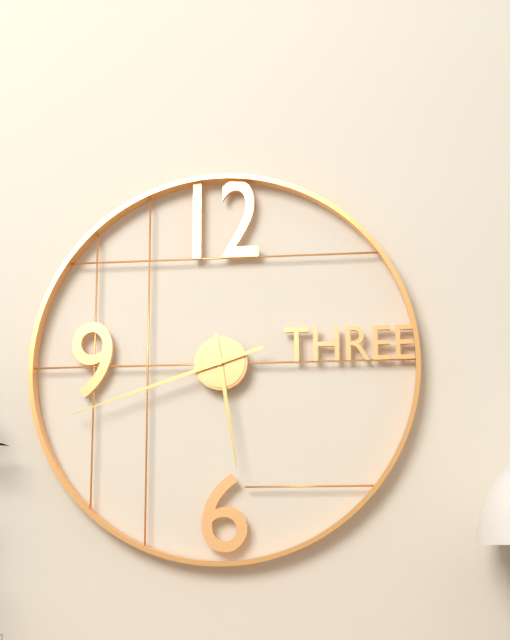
5:42
